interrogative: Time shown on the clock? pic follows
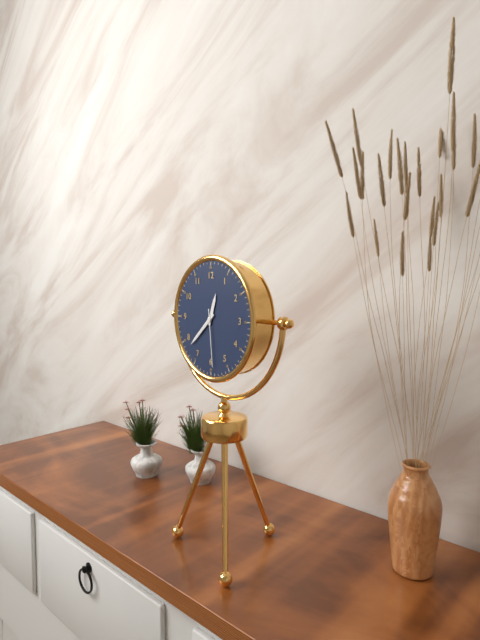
12:38:29
